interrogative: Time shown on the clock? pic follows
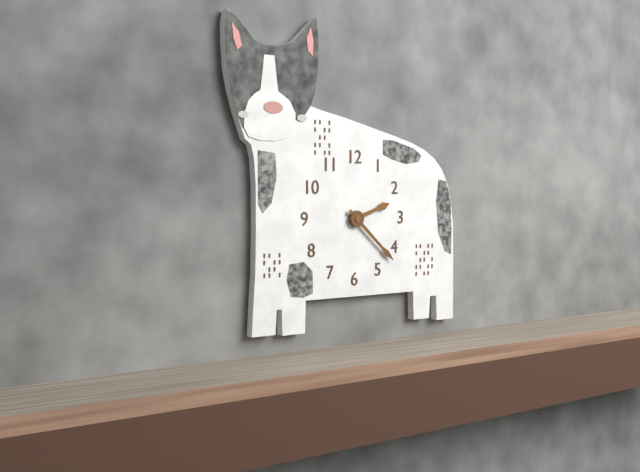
2:22
